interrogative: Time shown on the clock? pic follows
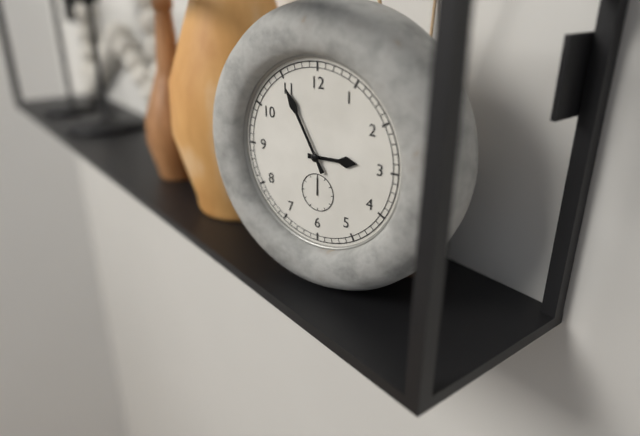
2:55
